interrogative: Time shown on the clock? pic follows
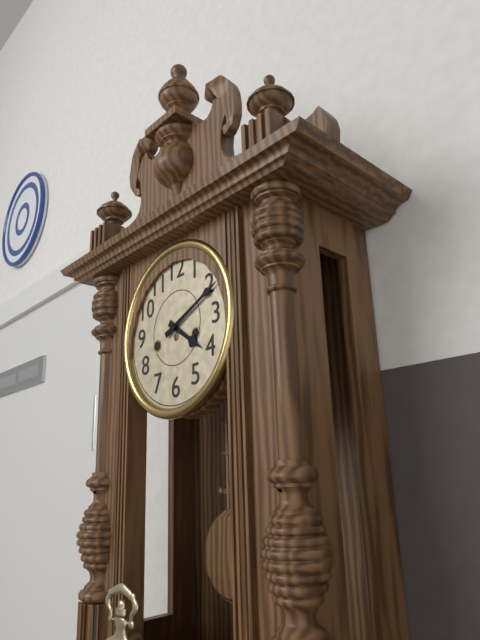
4:11
